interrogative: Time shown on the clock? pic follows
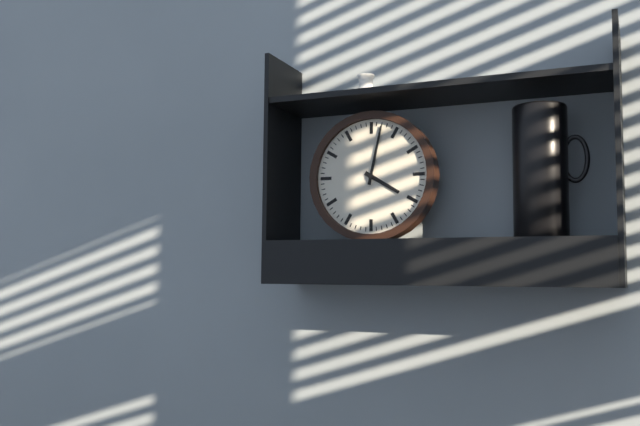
4:02
